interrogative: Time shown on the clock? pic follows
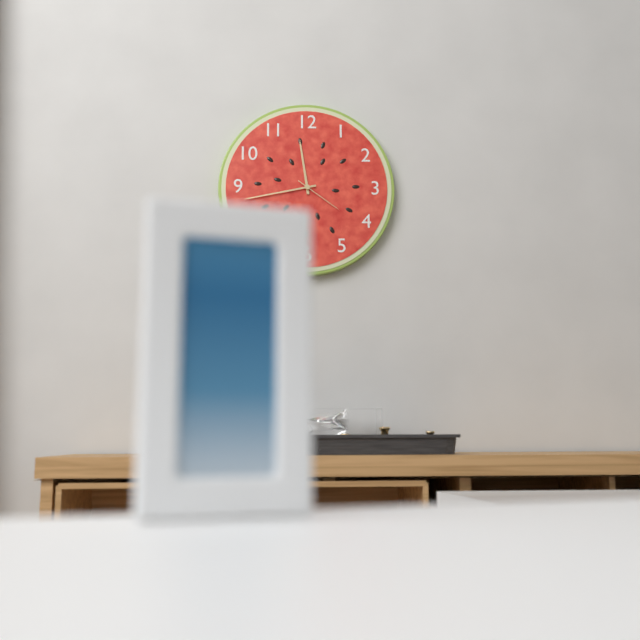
11:43
